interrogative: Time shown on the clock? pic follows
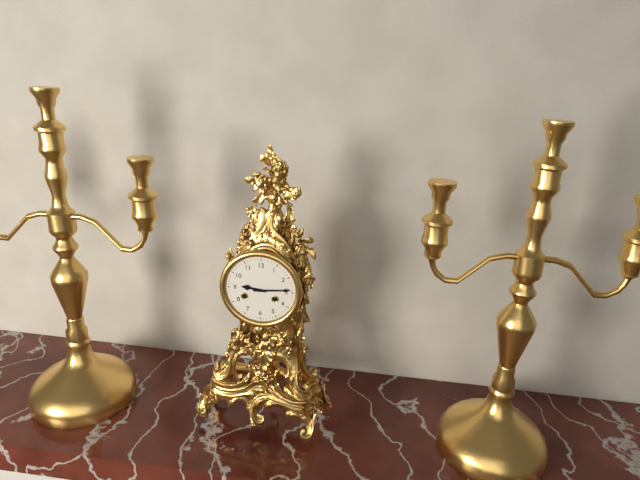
9:14
